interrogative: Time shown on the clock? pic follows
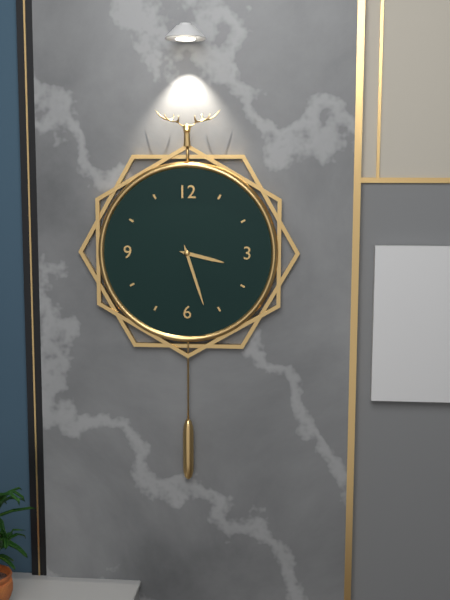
3:27
